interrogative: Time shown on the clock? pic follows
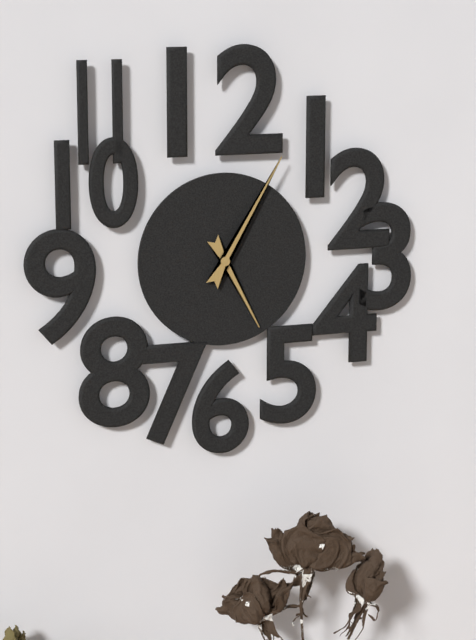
5:05
